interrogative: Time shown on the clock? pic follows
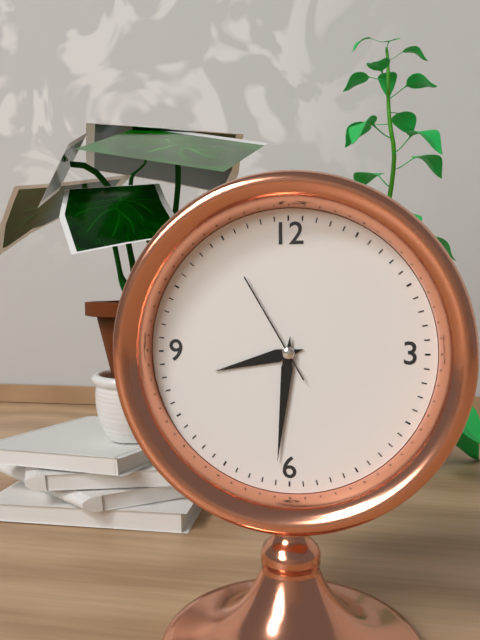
8:31:55
